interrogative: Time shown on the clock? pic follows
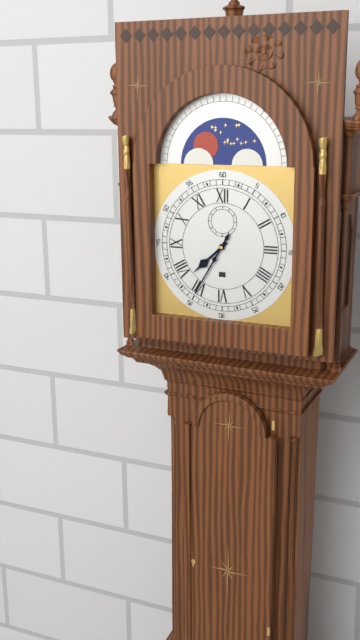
7:35
